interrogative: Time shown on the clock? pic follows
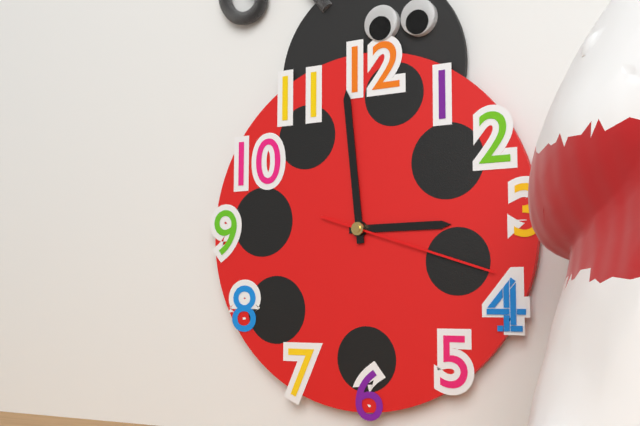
2:59:18
